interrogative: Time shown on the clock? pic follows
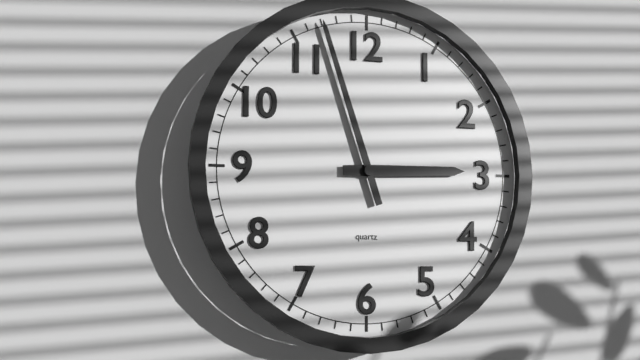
2:57
